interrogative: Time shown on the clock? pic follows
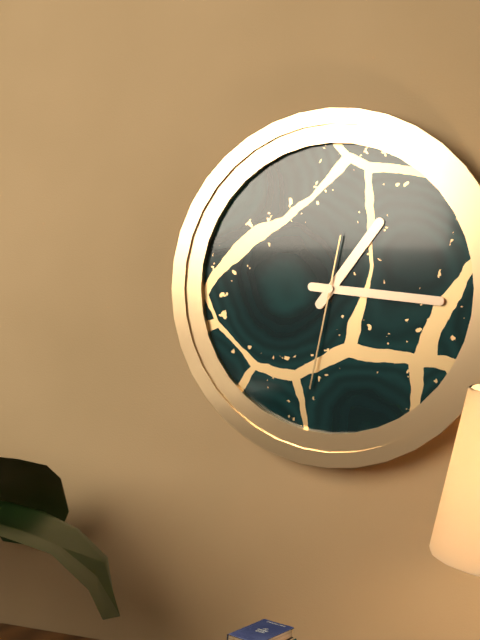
1:16:32
